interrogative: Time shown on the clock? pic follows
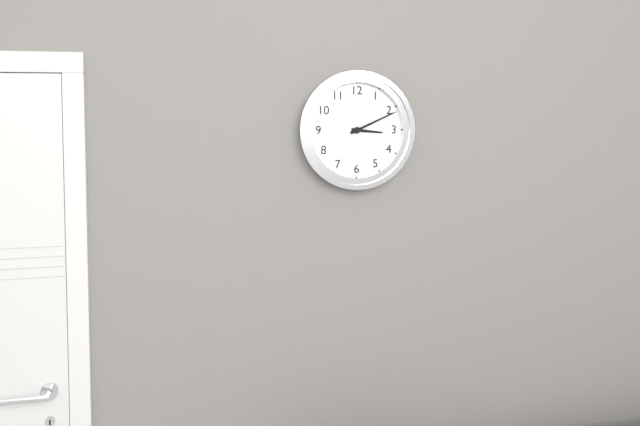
3:11
